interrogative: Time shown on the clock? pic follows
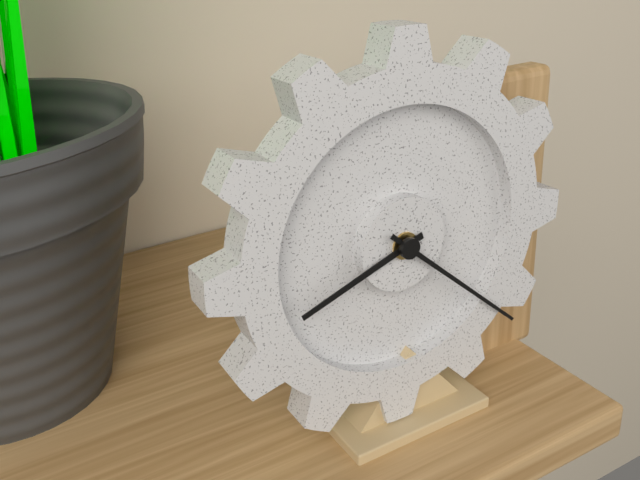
8:22
